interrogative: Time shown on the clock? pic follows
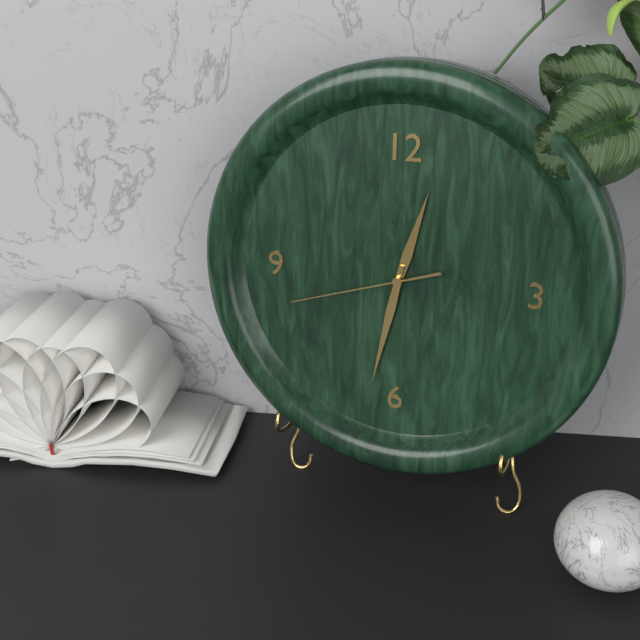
12:32:42
